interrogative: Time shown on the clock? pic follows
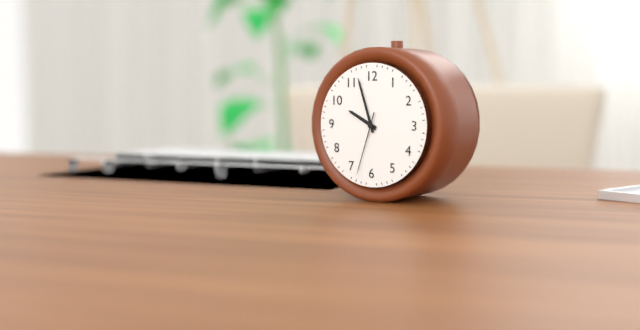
9:57:33
